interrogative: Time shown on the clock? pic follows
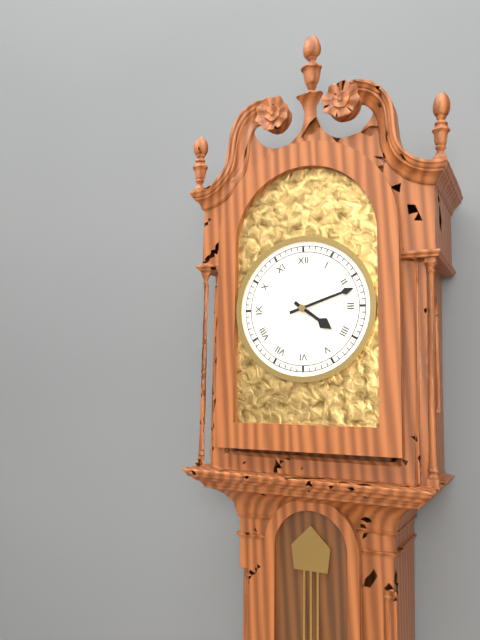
4:12
